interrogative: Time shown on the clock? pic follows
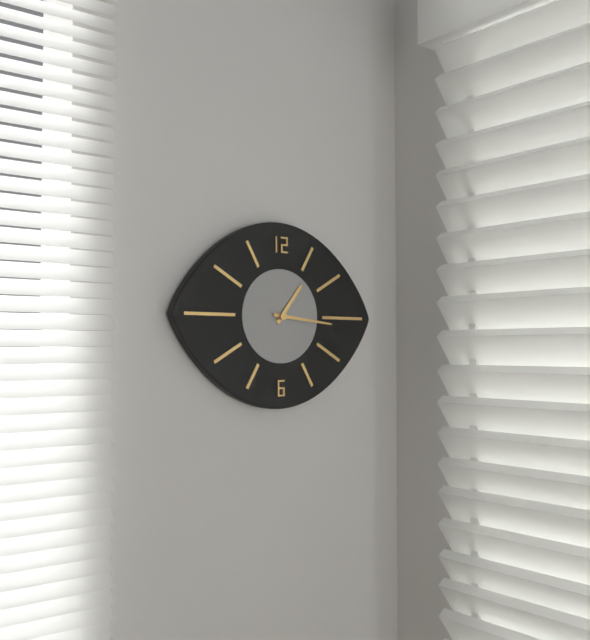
1:16
